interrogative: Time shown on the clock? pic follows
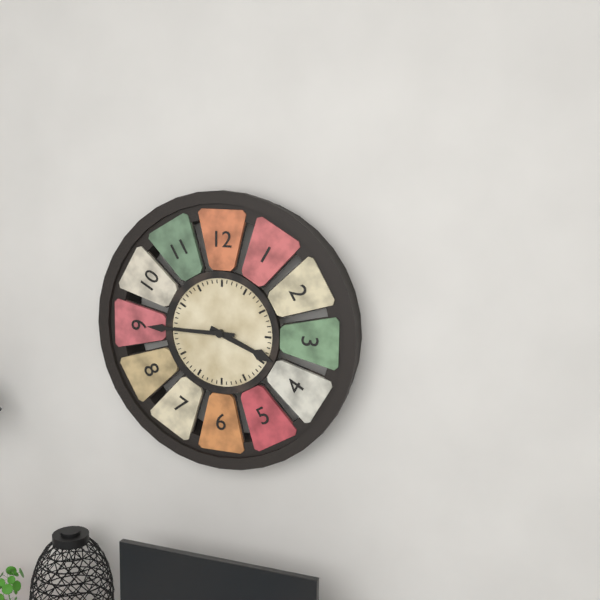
3:45
